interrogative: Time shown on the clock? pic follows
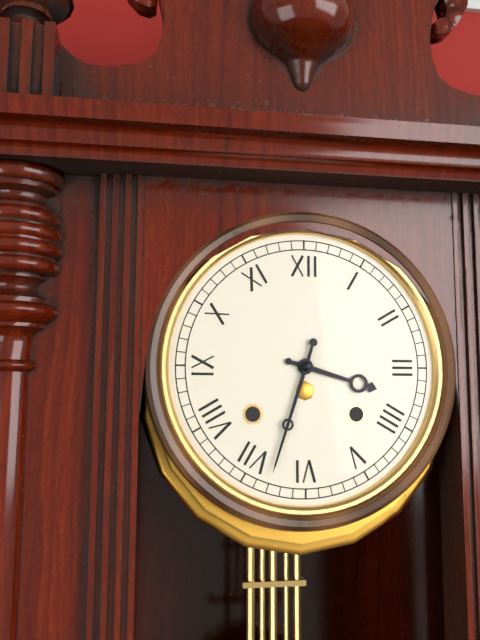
3:33
